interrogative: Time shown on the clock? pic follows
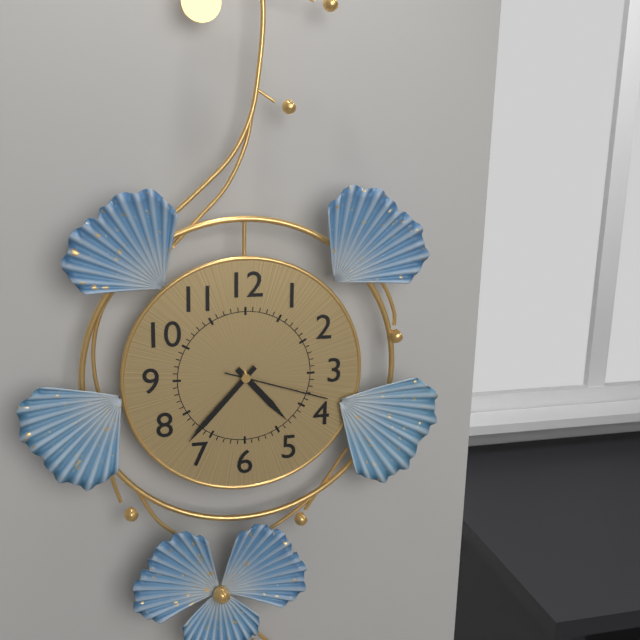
4:37:18
